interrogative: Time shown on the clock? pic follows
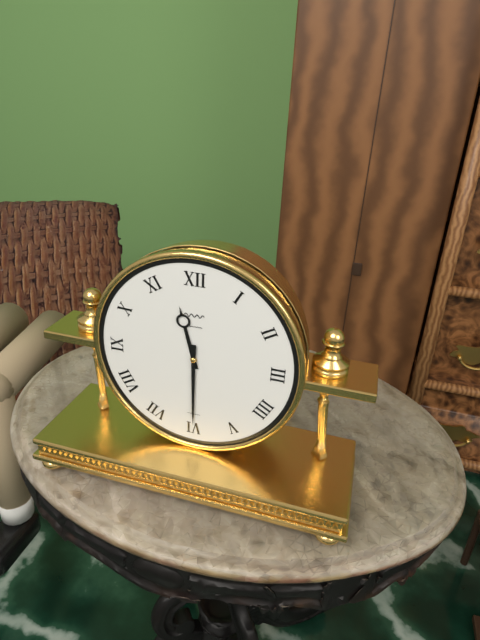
11:30
